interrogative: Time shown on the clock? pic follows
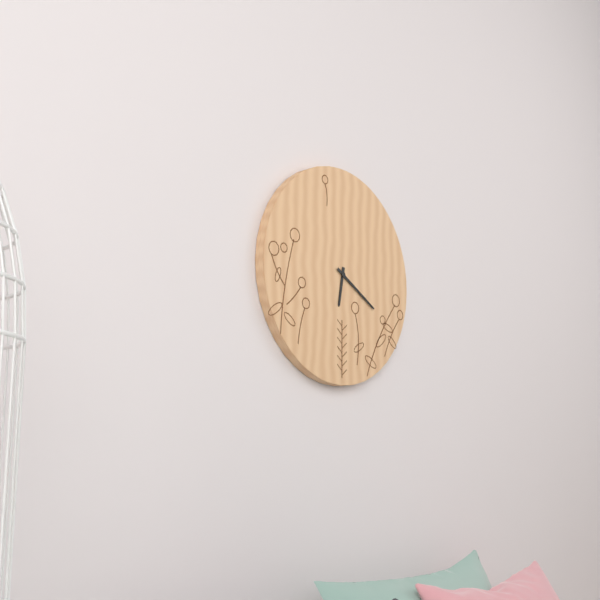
6:20
